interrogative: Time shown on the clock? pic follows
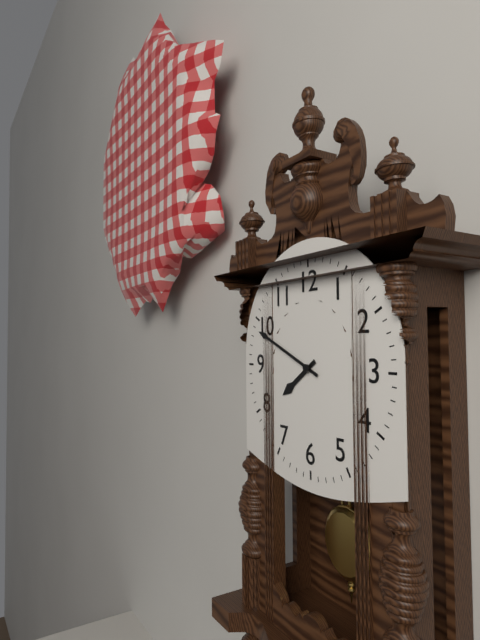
7:49
